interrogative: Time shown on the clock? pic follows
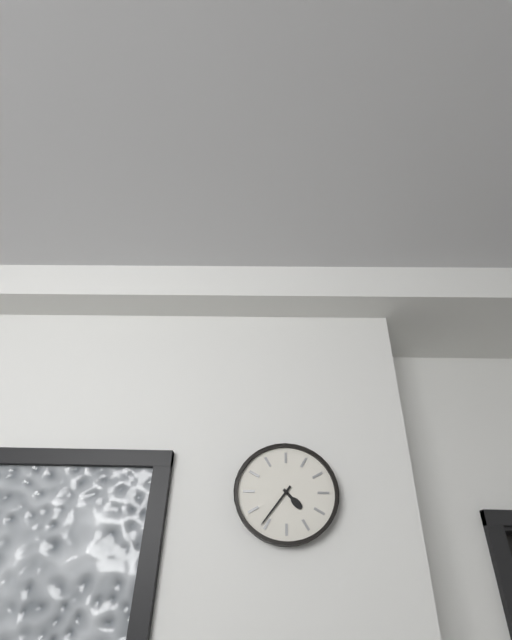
4:36
